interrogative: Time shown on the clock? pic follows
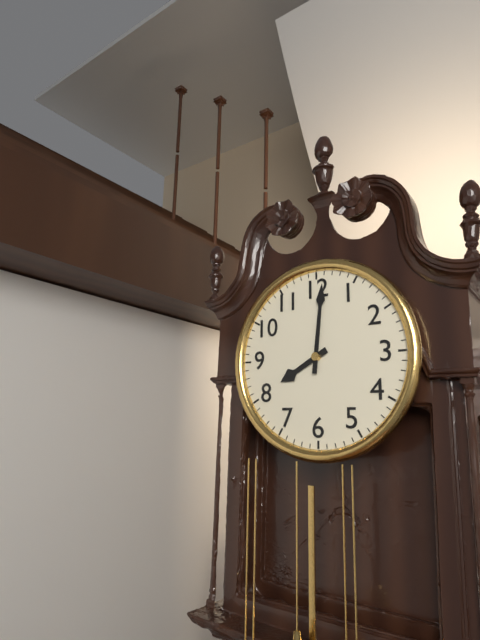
8:01
